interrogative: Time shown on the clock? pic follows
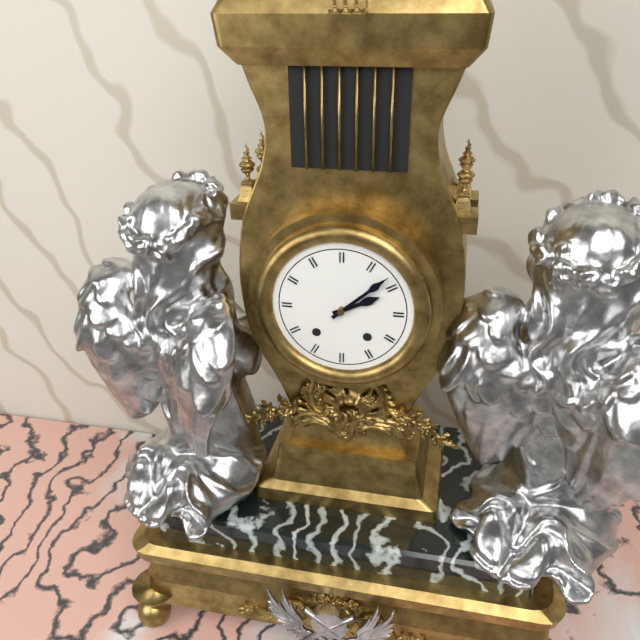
2:08
